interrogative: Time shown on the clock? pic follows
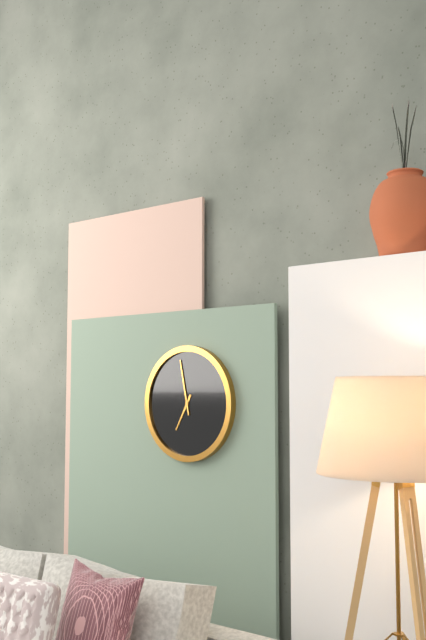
6:58
